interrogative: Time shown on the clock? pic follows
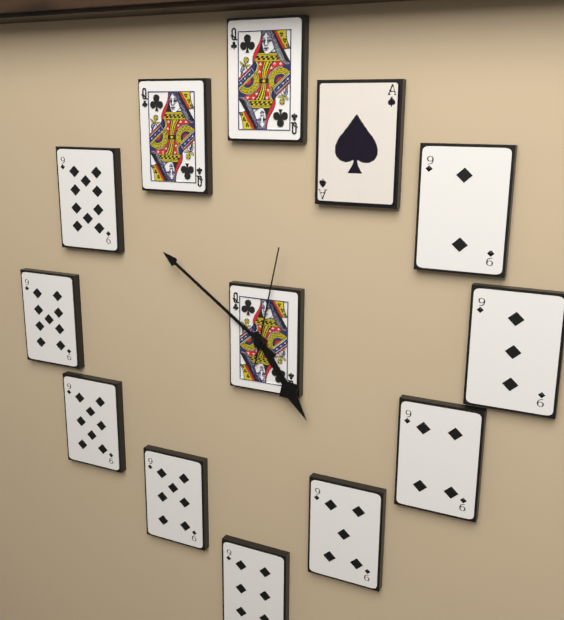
4:51:02
